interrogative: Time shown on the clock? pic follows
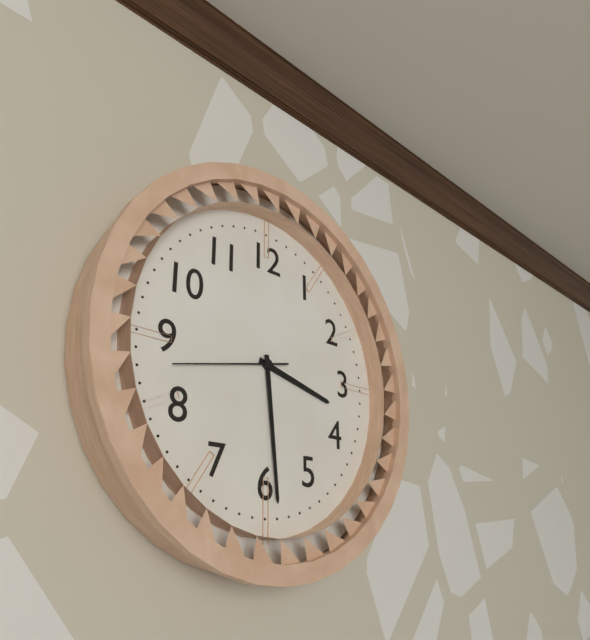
3:29:43
